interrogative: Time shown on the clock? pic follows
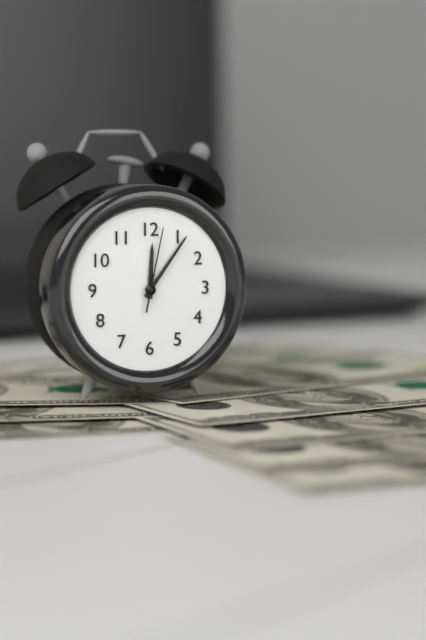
12:06:02
